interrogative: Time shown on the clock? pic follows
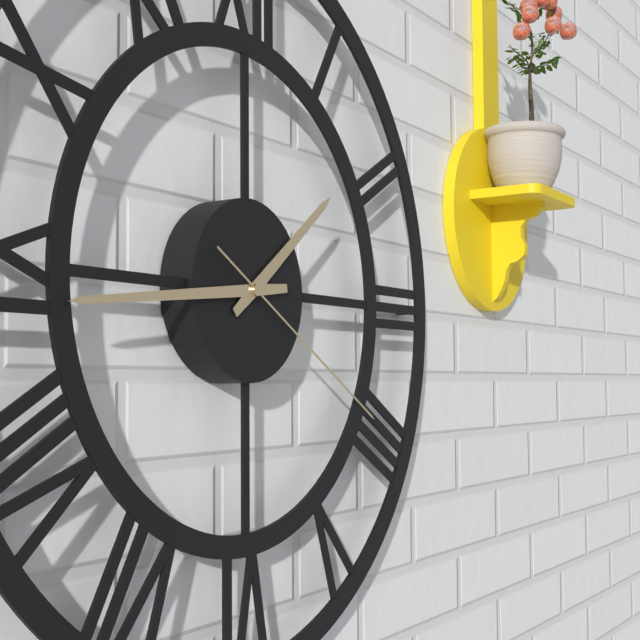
1:44:20
